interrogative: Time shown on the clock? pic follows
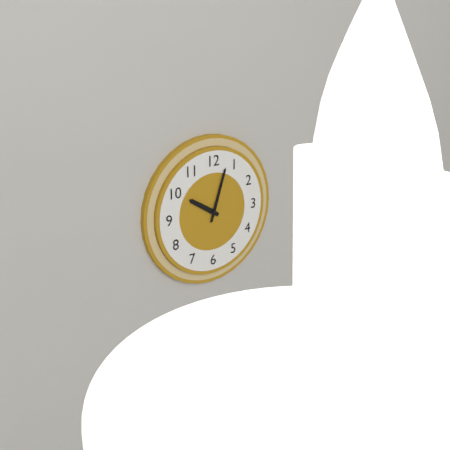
10:03
